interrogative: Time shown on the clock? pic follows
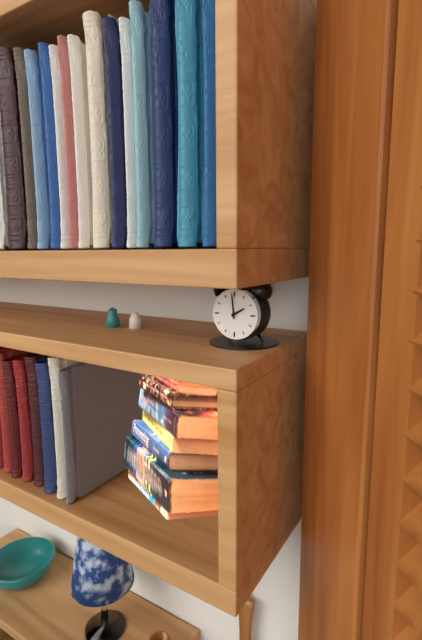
1:59
